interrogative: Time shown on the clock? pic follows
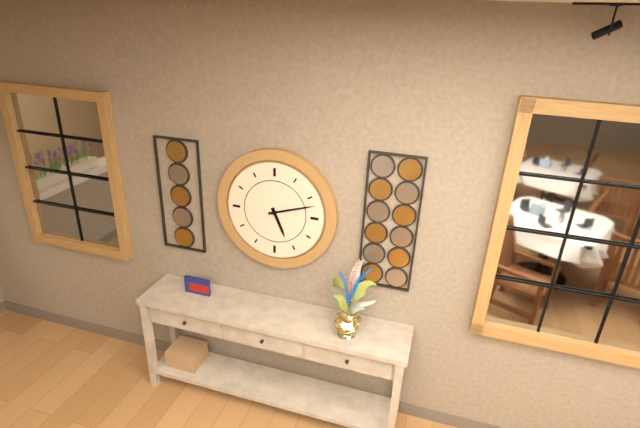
5:12
